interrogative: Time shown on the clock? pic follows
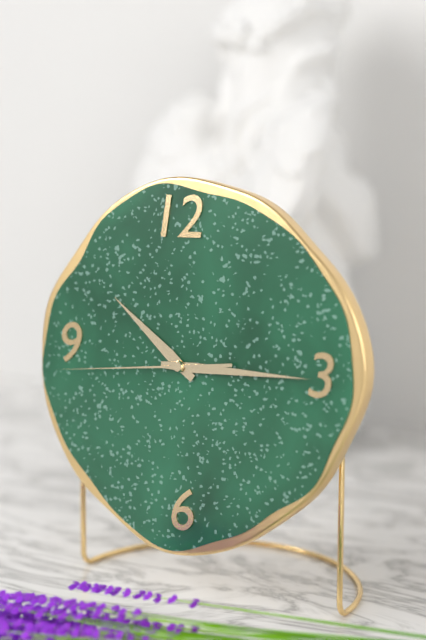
10:15:44
